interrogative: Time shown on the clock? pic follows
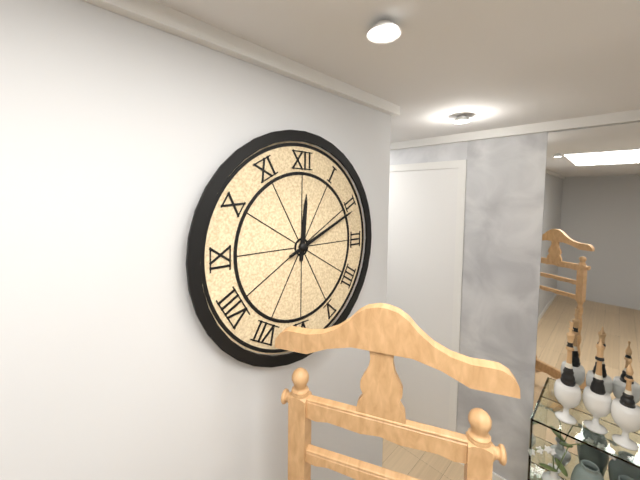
12:11
